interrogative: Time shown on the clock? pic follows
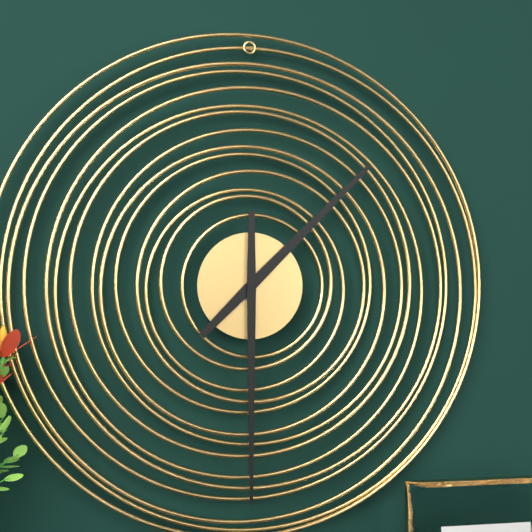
1:30
